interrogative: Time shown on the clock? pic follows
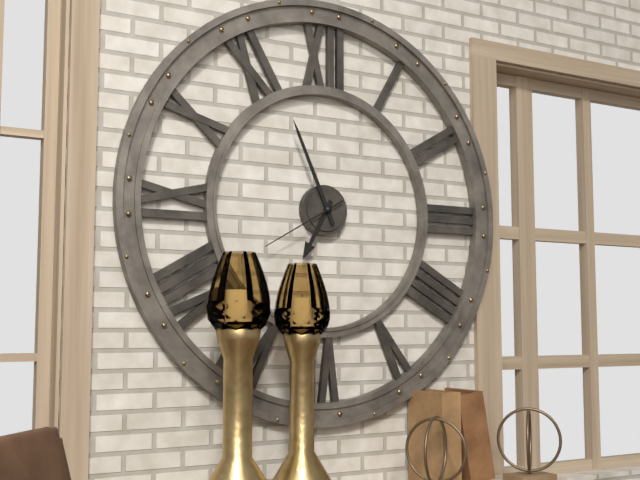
6:56:40
